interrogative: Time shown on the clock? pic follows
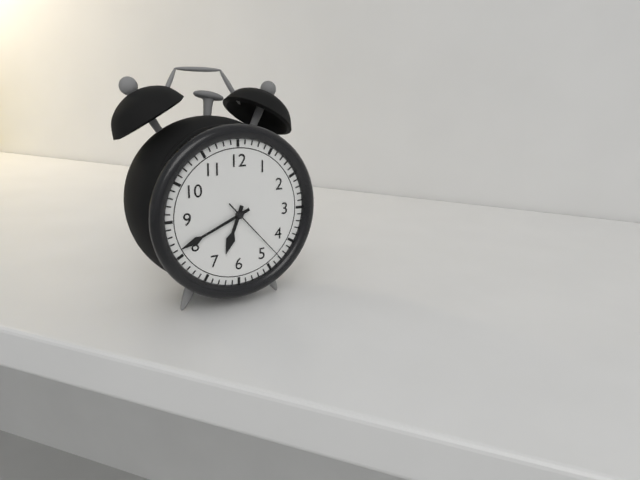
6:41:23
